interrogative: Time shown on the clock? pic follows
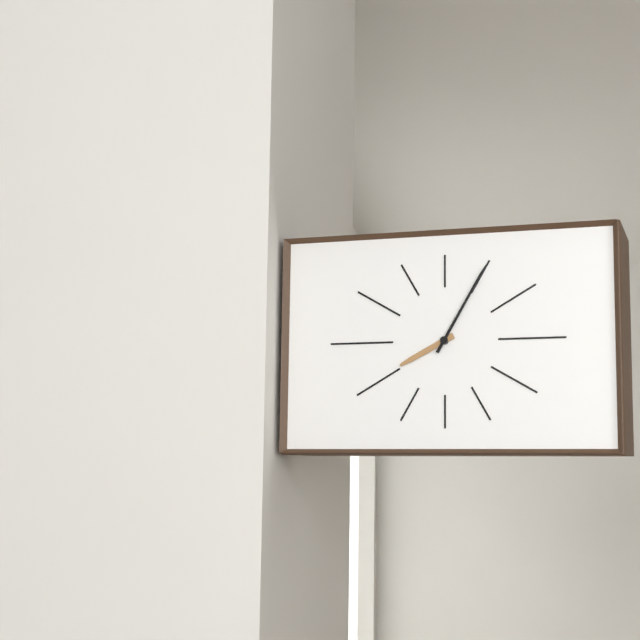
8:05
